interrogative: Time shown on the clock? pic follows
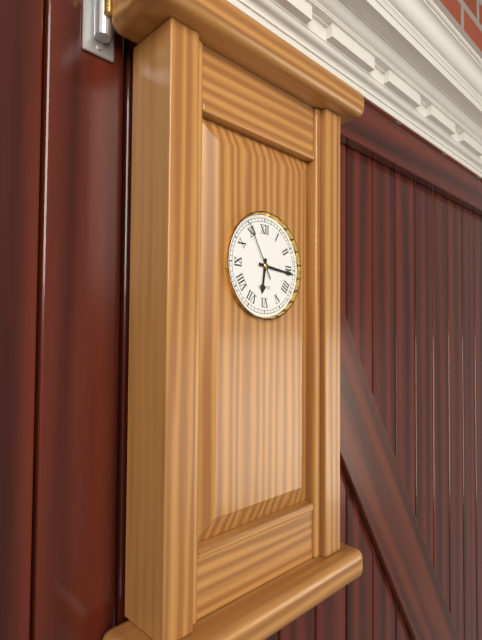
6:16:55
